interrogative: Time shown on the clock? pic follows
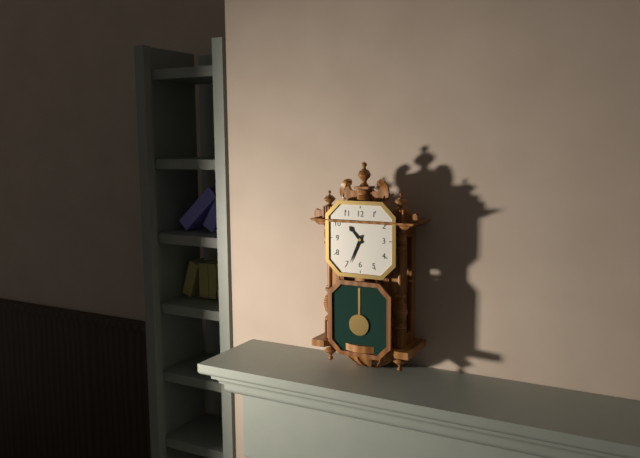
10:34
